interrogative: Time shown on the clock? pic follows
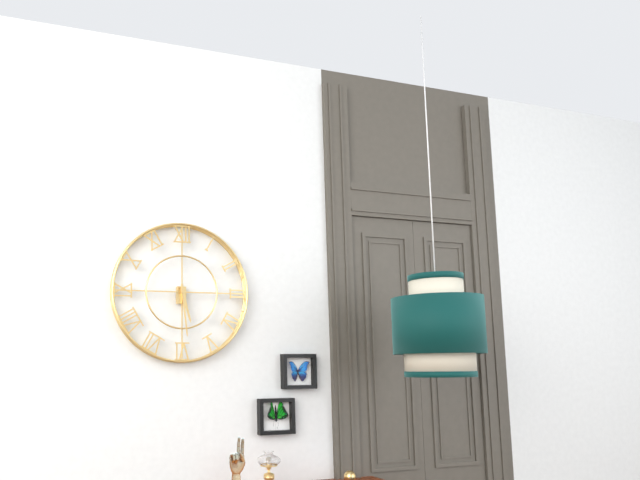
5:29
